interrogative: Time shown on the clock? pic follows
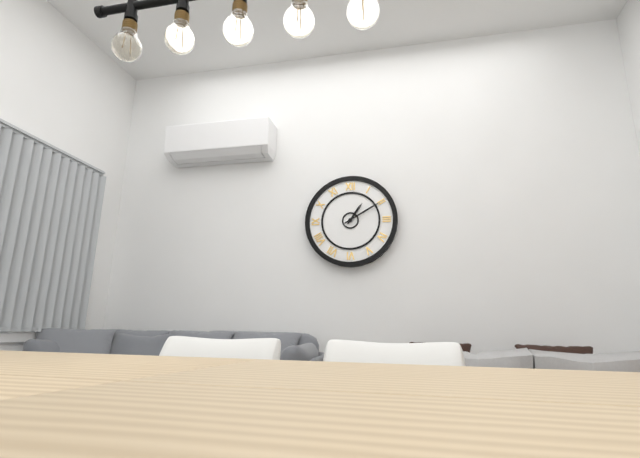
1:10
